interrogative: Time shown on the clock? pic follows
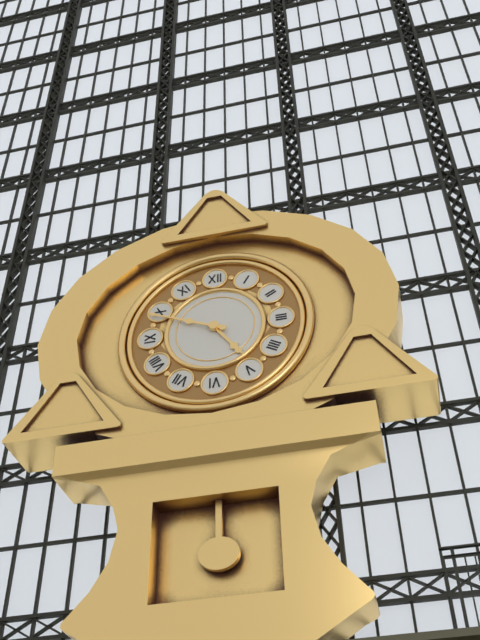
4:49
